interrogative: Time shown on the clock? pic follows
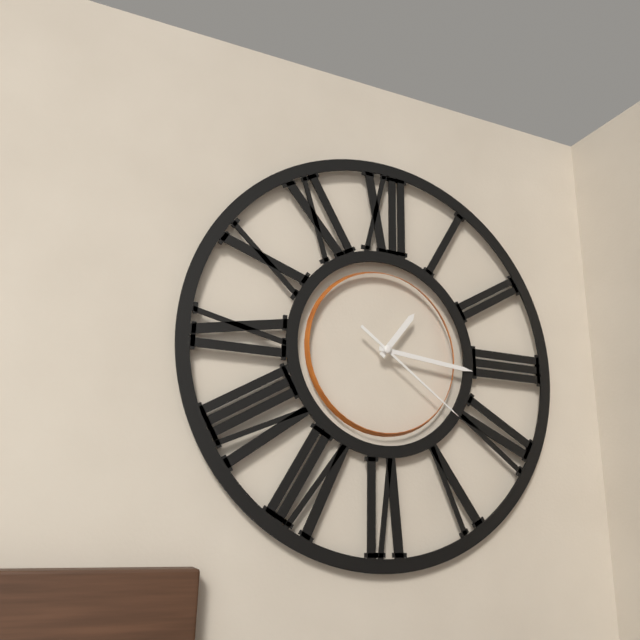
1:16:21
